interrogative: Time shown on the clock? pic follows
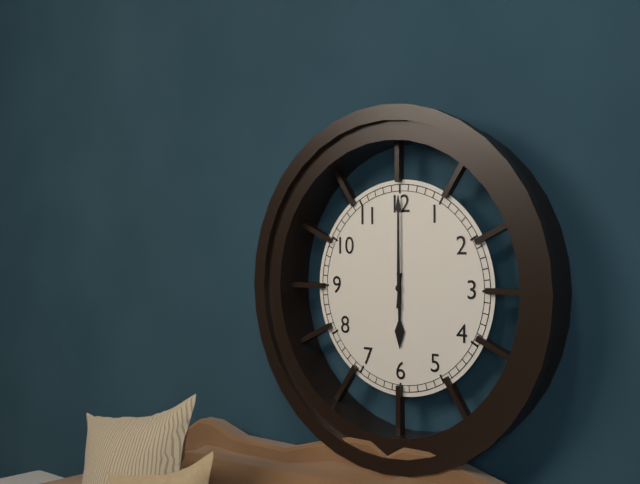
6:00
